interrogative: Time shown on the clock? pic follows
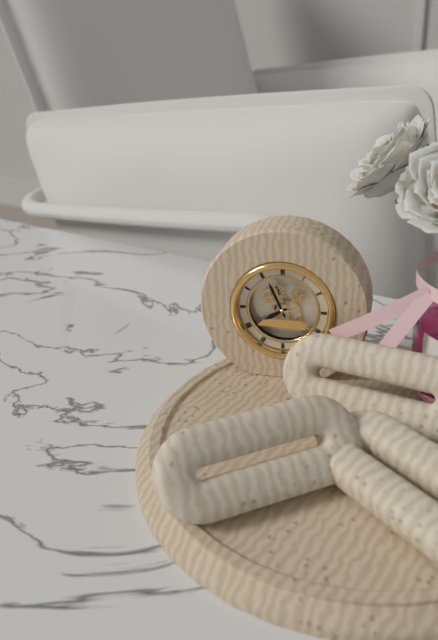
7:56
